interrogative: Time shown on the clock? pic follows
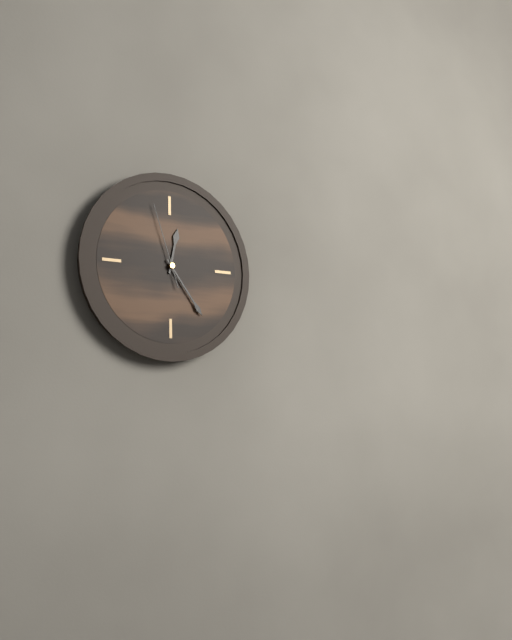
12:24:57
